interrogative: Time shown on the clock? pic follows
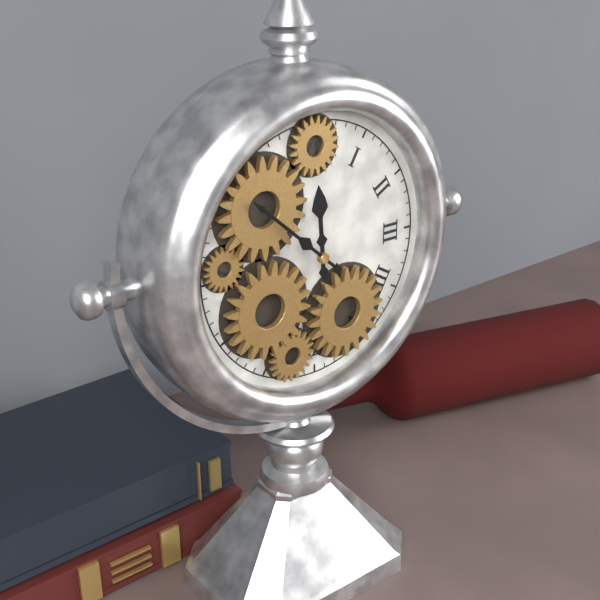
11:52
